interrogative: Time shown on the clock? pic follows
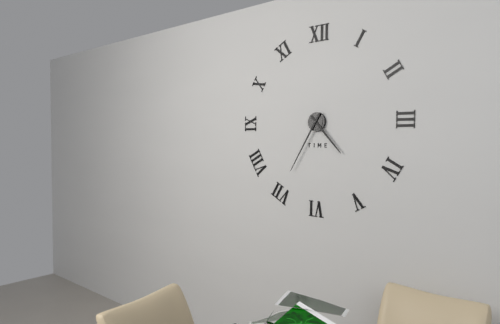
4:35
